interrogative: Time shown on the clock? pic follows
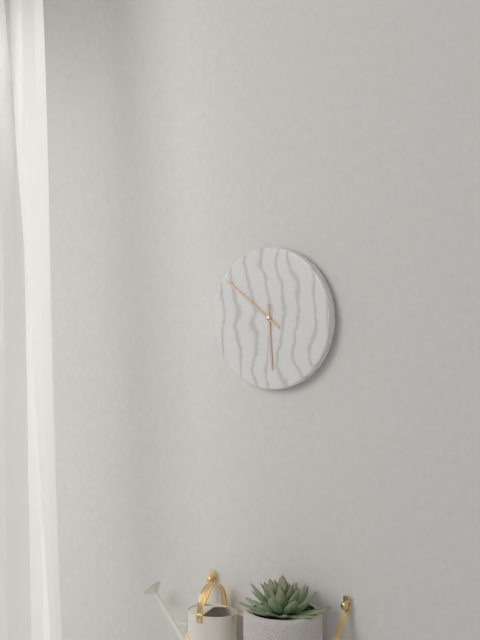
5:51
